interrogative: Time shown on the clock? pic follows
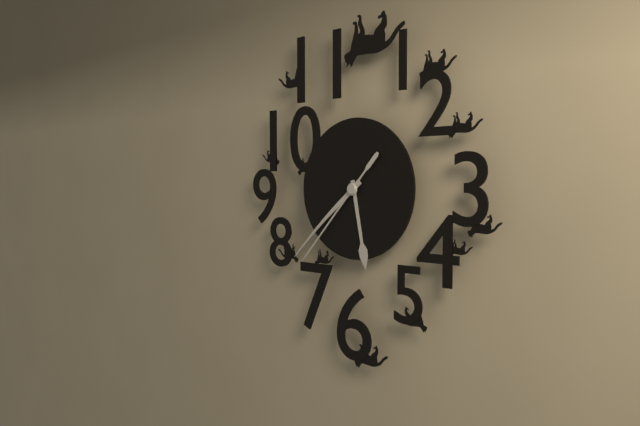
5:38:37
